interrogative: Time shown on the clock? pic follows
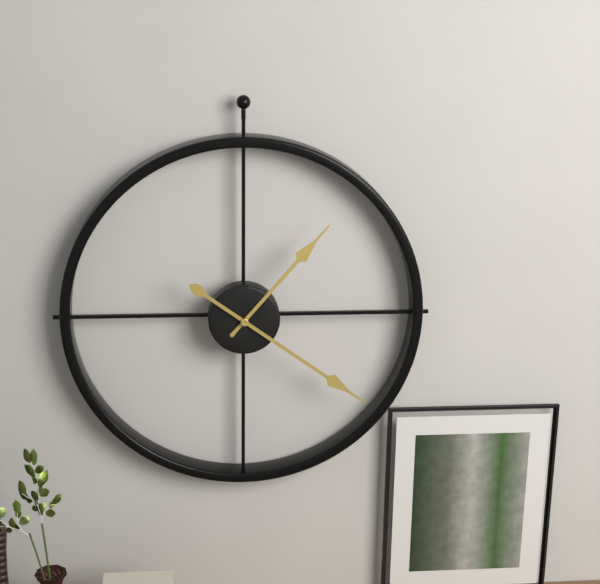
1:21
